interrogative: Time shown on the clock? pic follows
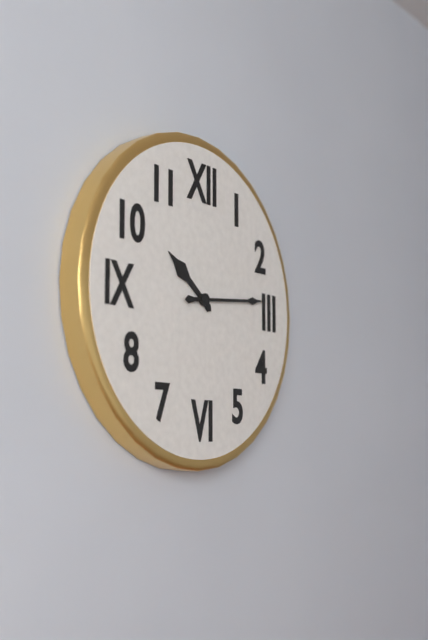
10:14
